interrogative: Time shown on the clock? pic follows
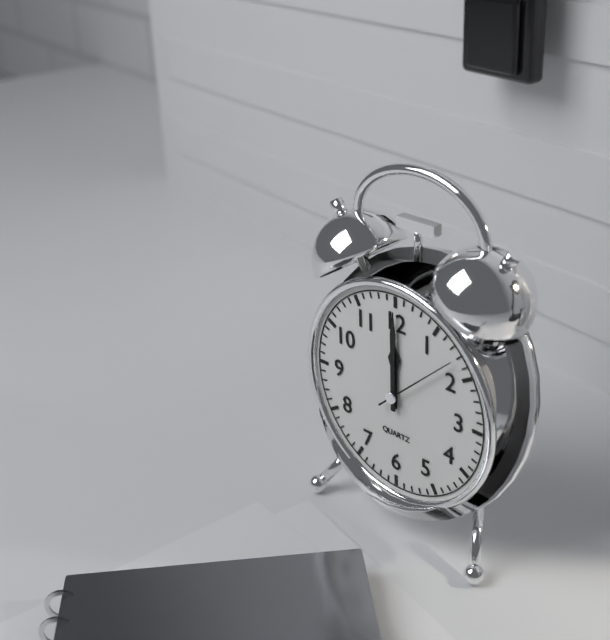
12:00:08
